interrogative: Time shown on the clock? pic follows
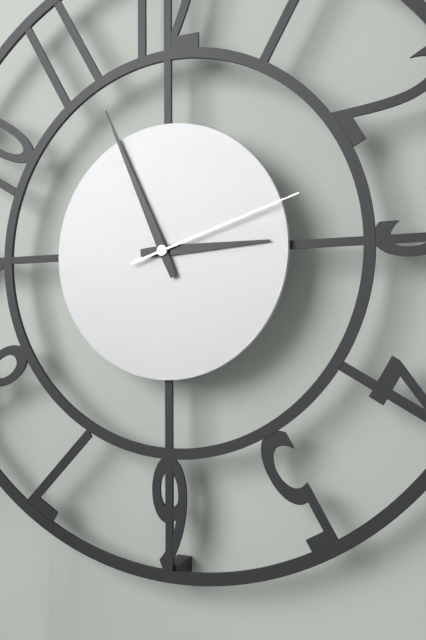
2:56:12
